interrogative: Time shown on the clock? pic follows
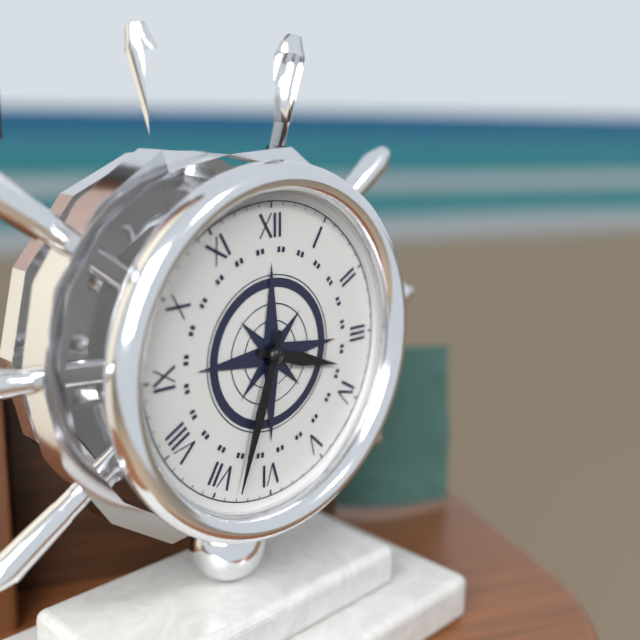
3:33
